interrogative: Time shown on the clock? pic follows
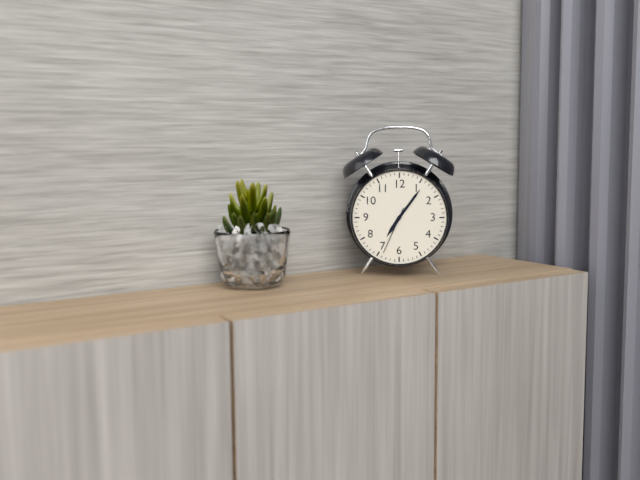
7:06:34
